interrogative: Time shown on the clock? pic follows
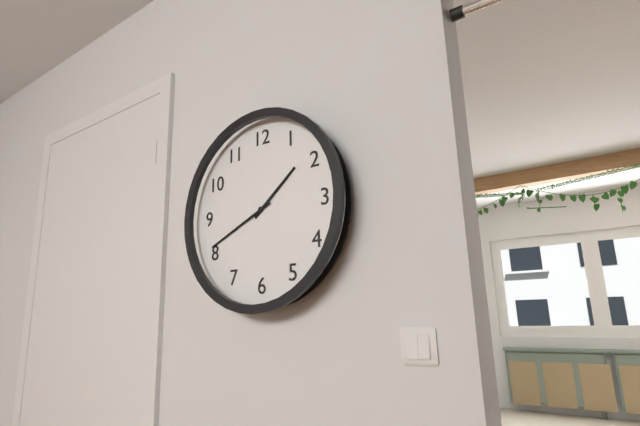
1:41
